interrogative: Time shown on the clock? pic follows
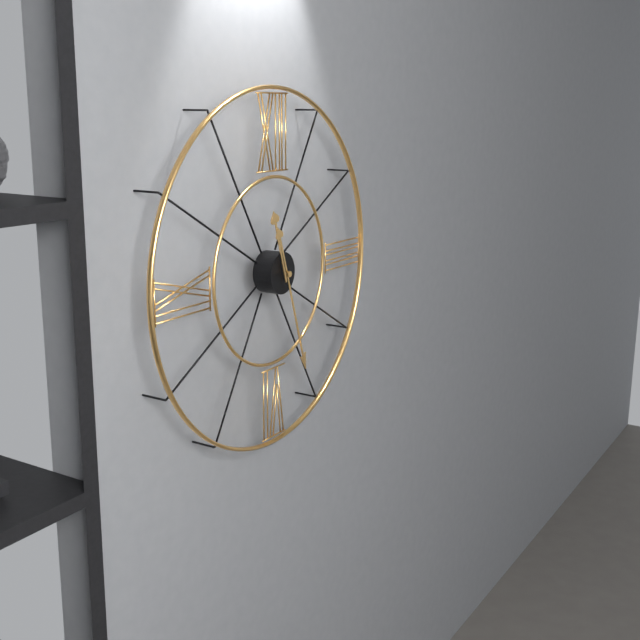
11:27
